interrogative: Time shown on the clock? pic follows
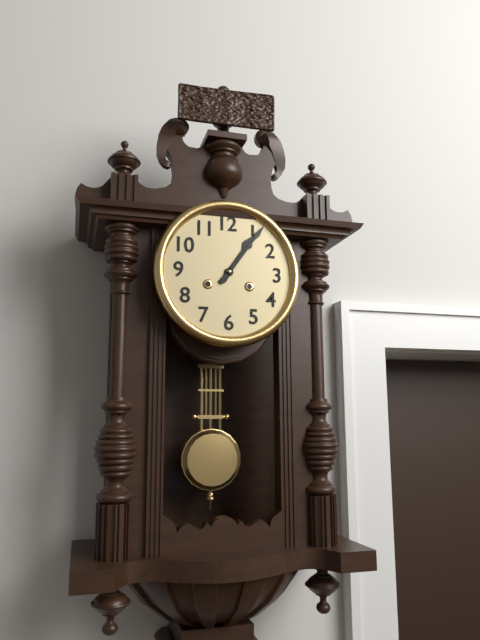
1:06
